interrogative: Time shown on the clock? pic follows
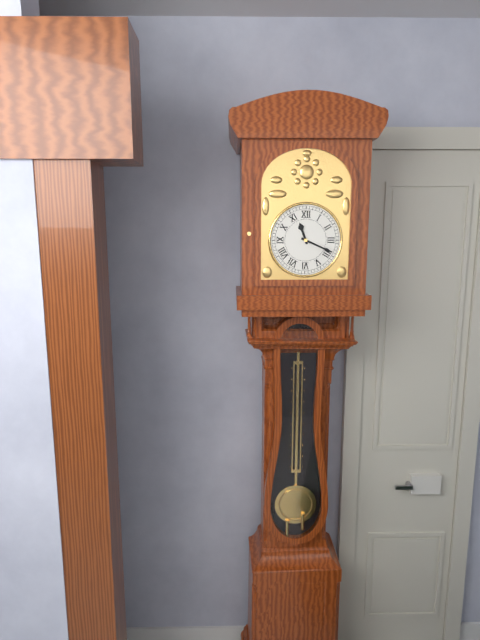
11:19
